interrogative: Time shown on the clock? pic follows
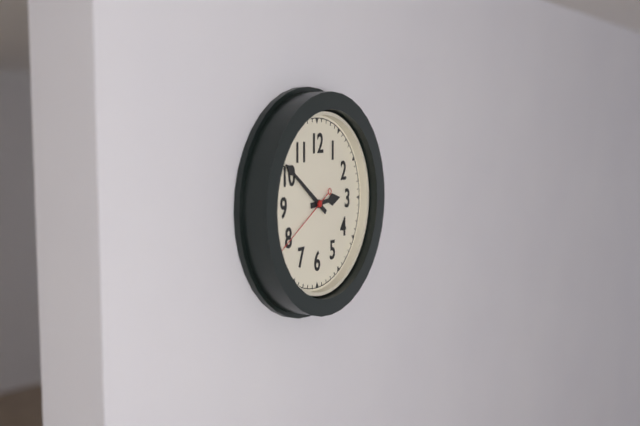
2:51:40
